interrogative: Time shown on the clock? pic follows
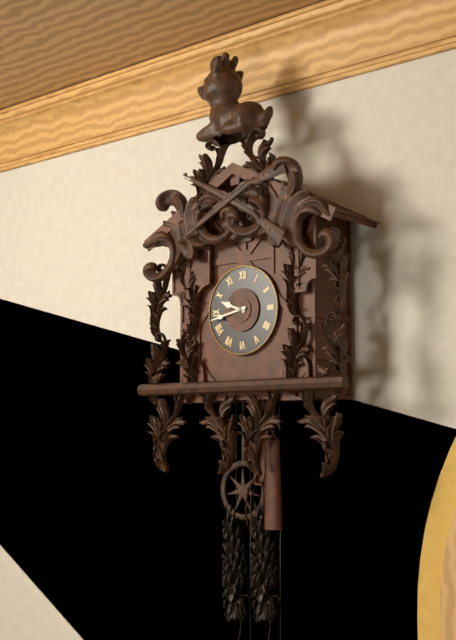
9:43
